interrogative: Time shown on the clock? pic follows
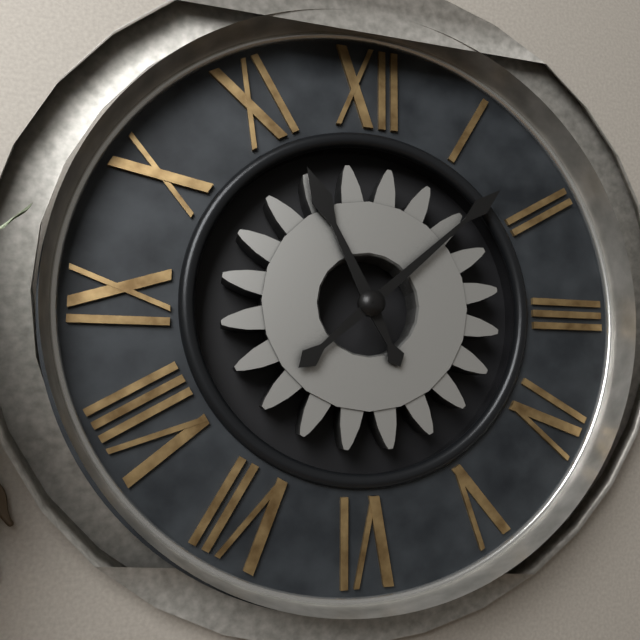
11:08
